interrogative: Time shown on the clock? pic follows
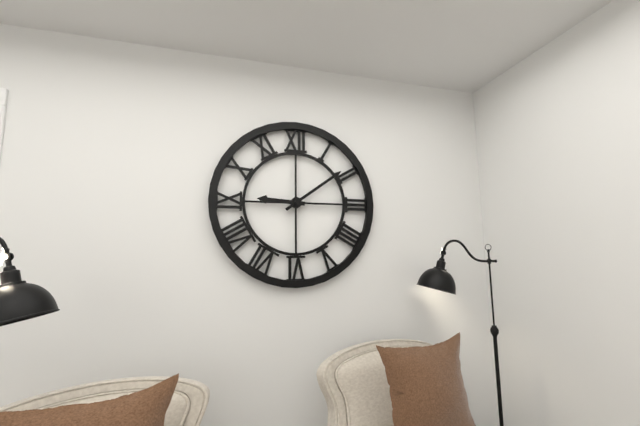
9:09
